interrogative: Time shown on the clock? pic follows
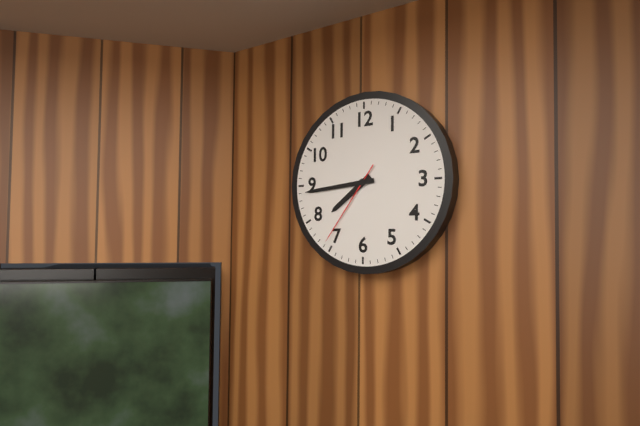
7:44:36
